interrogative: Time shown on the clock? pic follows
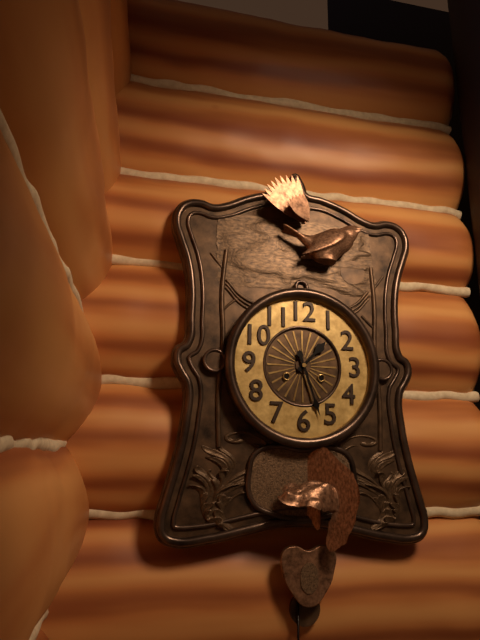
1:27
